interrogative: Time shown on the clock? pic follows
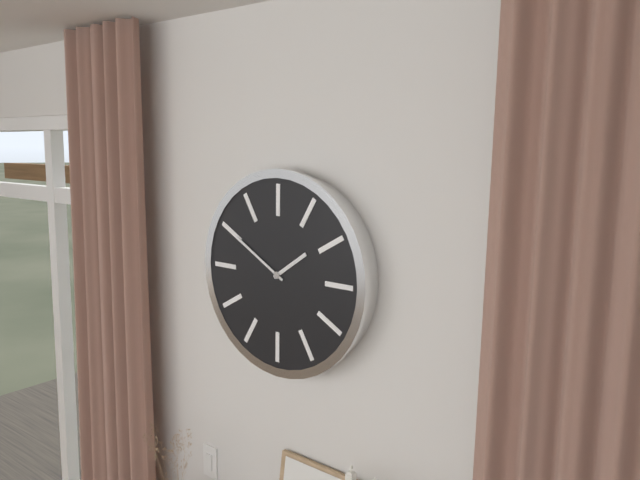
1:50
